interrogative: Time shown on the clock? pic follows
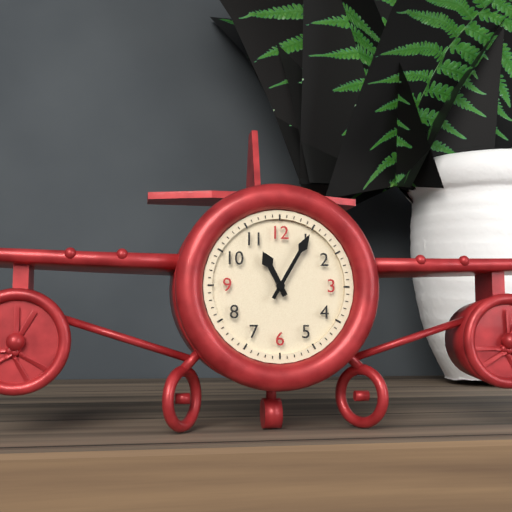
11:05
